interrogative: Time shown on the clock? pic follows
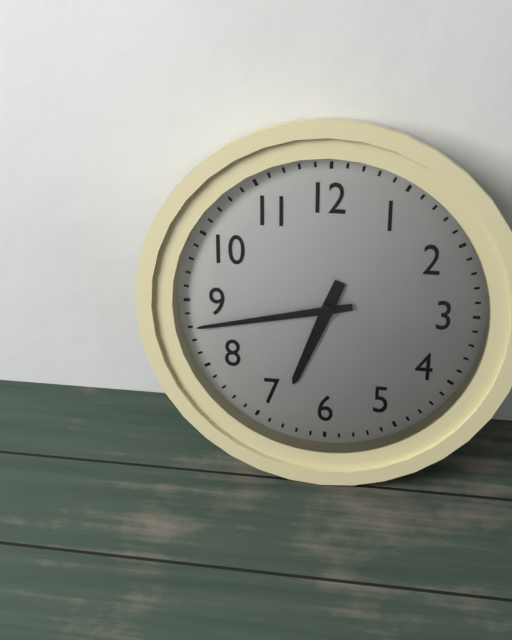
6:43
